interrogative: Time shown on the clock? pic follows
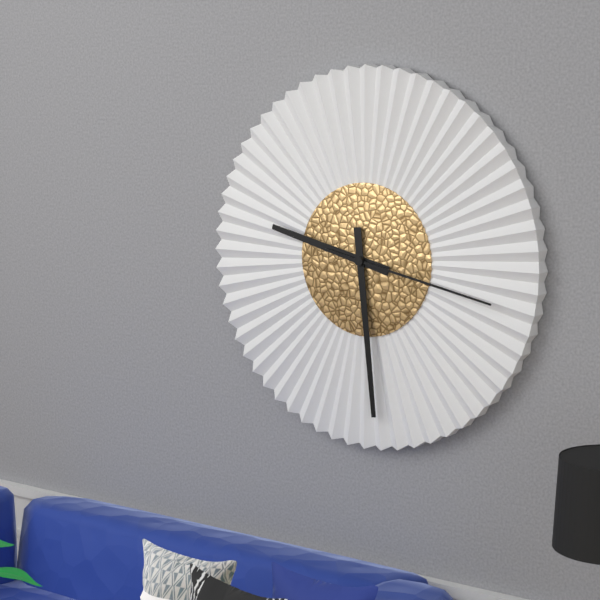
9:29:17
